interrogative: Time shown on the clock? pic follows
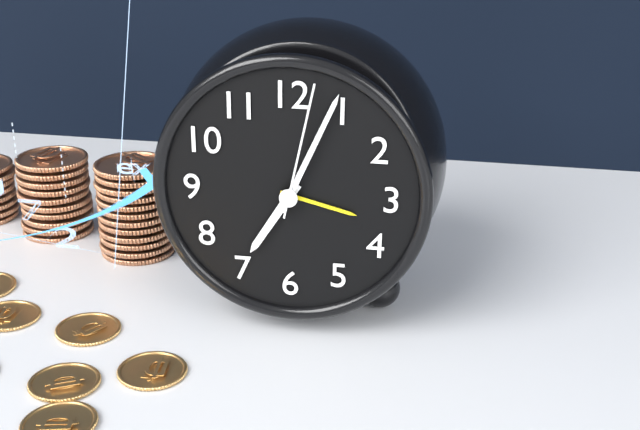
7:04:02
